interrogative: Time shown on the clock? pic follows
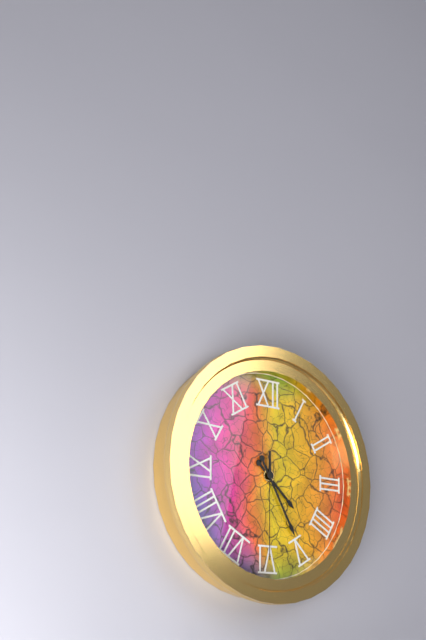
4:25:30
